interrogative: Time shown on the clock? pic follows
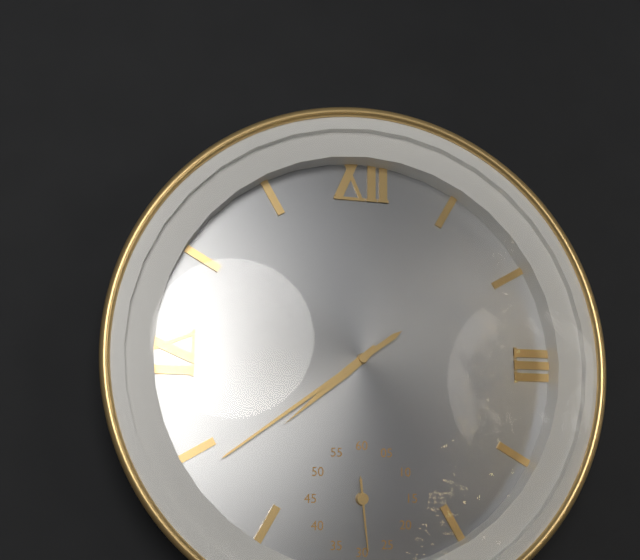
7:39:29
